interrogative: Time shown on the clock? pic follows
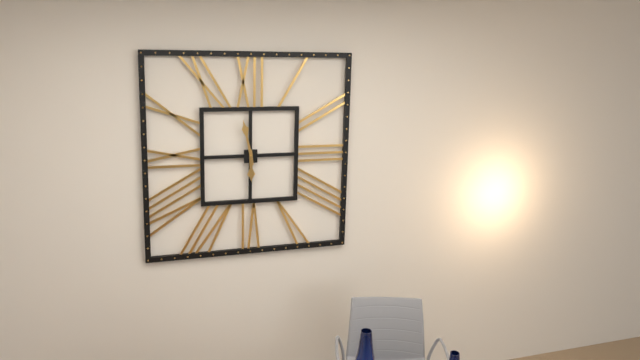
5:58
